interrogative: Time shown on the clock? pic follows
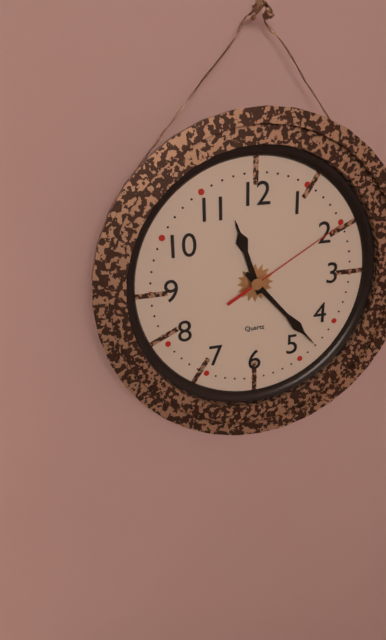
11:23:10
